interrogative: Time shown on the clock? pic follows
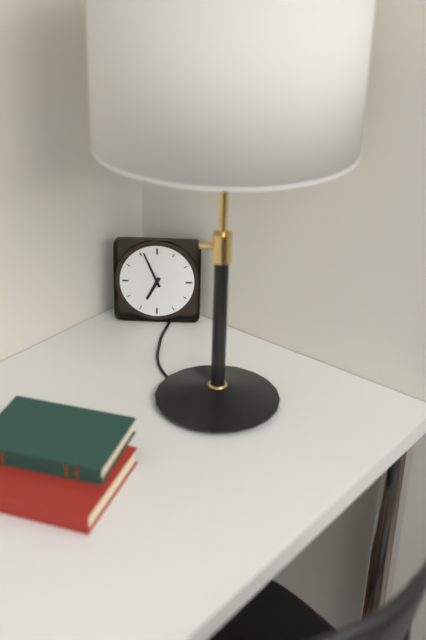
6:56
